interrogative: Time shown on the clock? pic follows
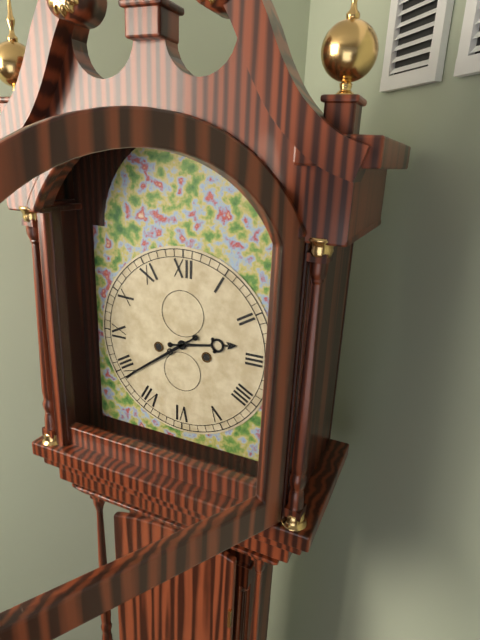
2:39
